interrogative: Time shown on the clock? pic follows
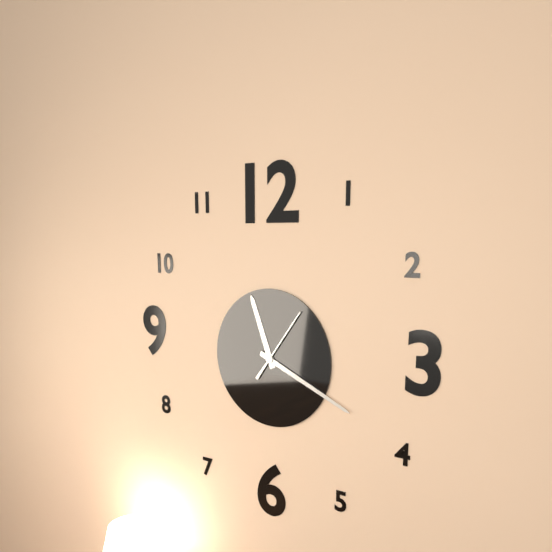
11:19:06
